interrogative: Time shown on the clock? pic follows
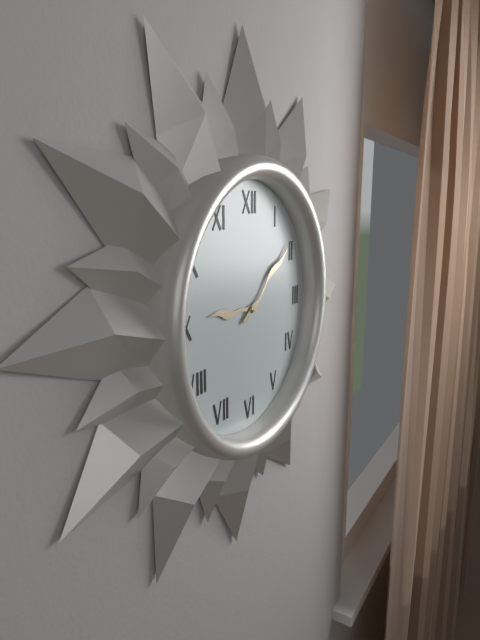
9:09
